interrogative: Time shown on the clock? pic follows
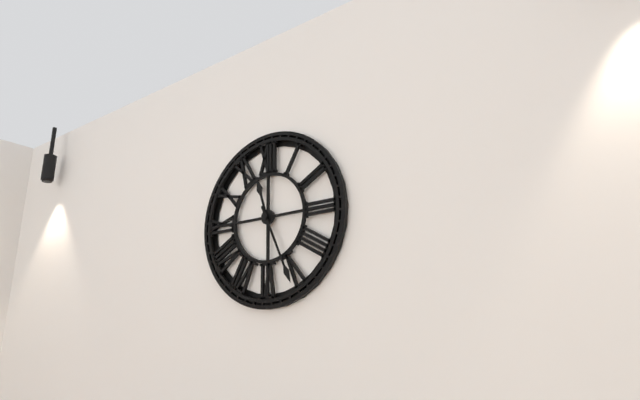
11:26
